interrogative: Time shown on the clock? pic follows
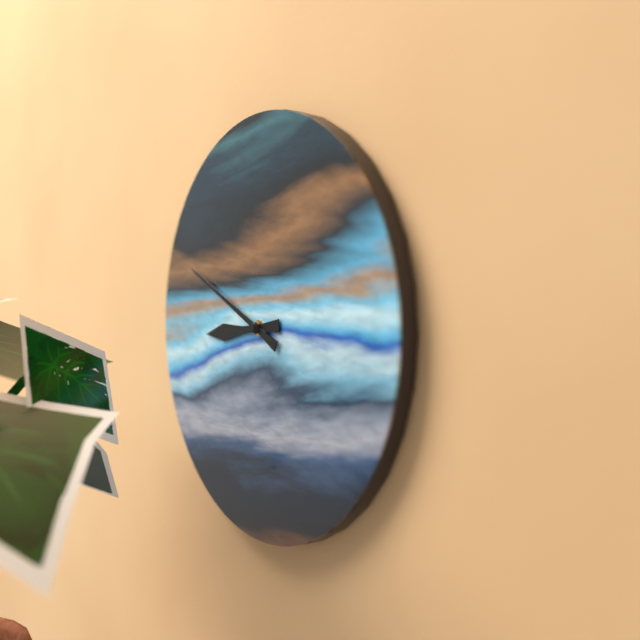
8:49
